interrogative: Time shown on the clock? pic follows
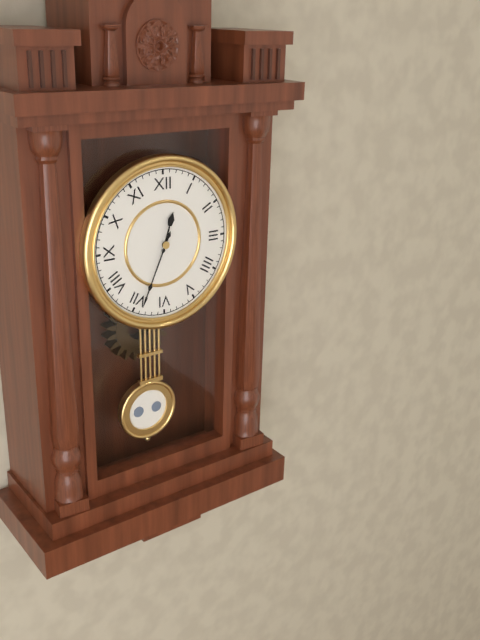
12:34
